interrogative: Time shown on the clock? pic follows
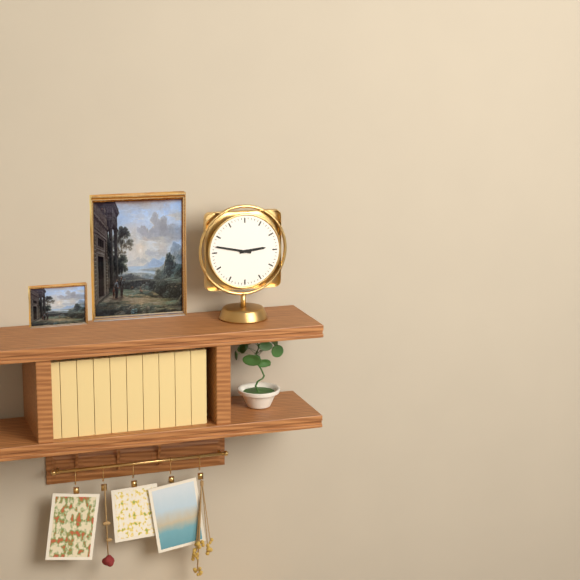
2:47
